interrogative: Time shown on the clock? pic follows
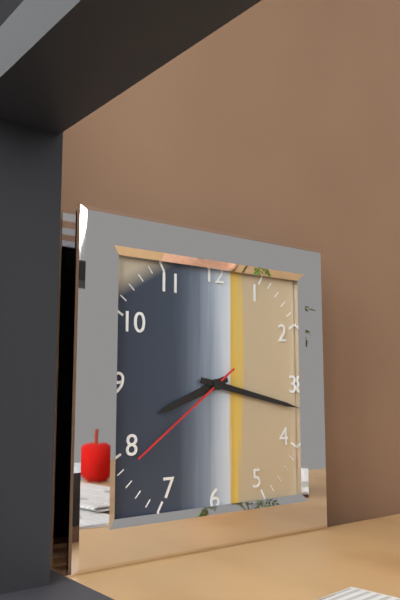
8:17:39
